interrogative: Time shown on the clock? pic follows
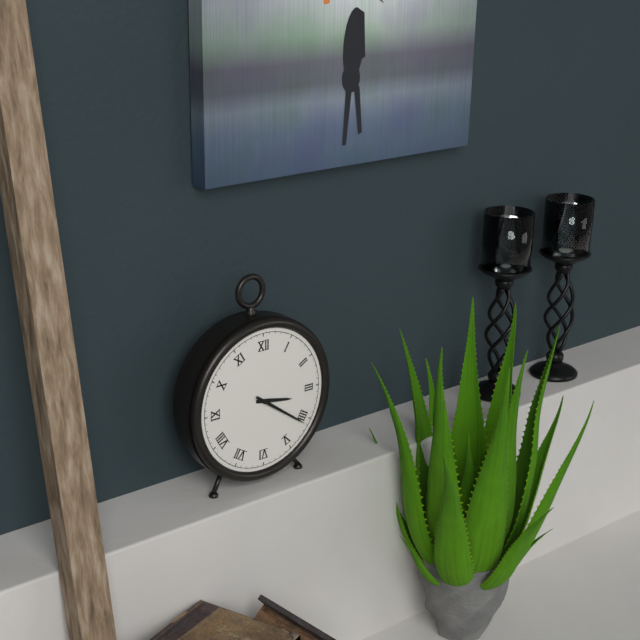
3:21
